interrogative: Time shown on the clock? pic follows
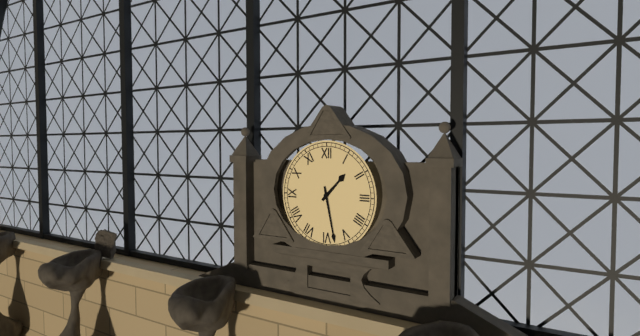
1:28
